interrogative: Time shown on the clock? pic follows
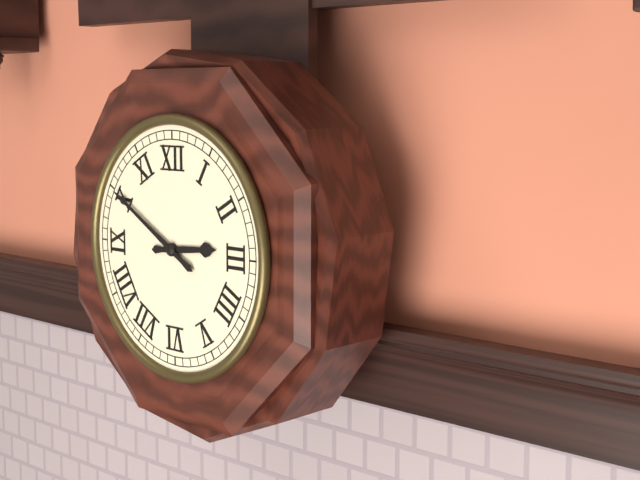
2:50
